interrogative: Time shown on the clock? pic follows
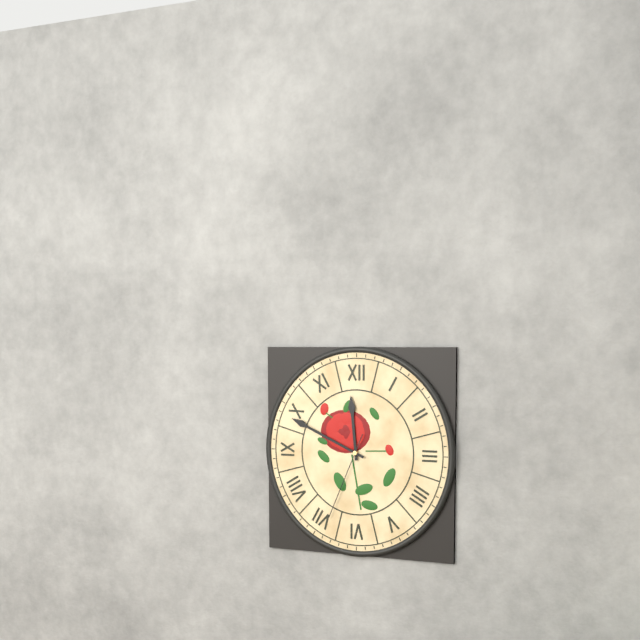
11:49:34
